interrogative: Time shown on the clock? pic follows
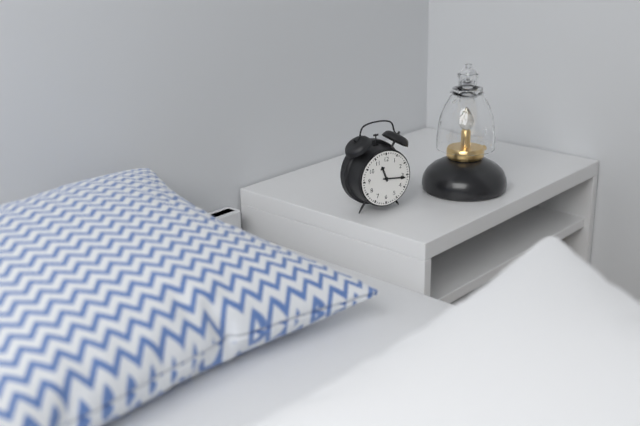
11:16
